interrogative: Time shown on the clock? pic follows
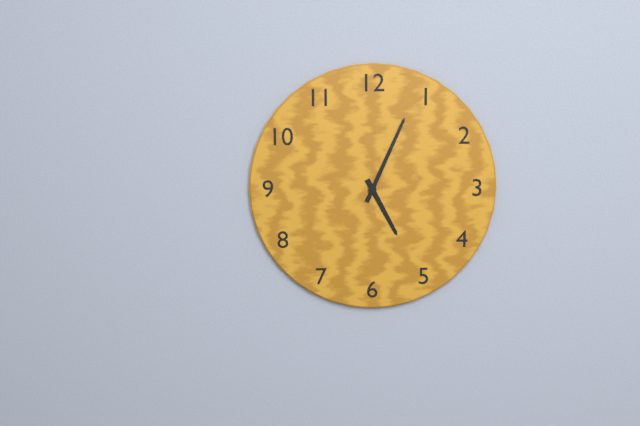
5:04
